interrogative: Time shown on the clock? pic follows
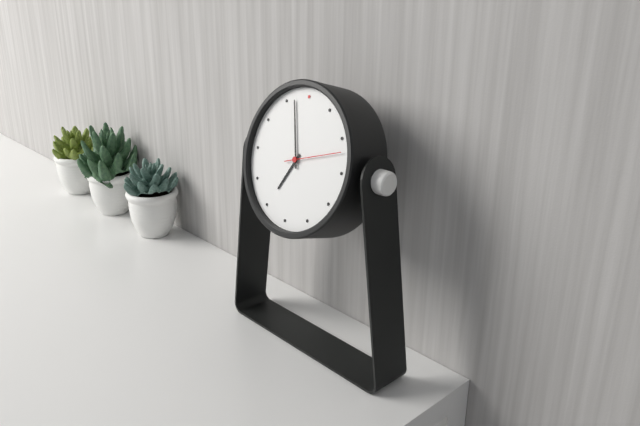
6:57:12
